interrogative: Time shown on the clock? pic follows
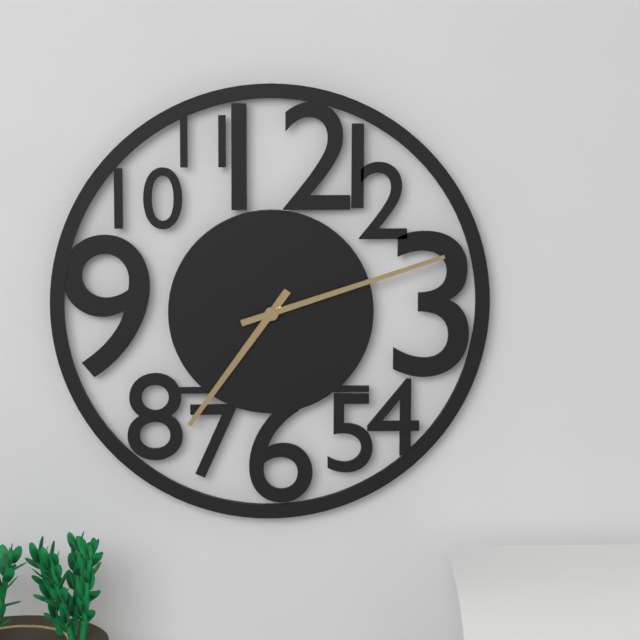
7:12
